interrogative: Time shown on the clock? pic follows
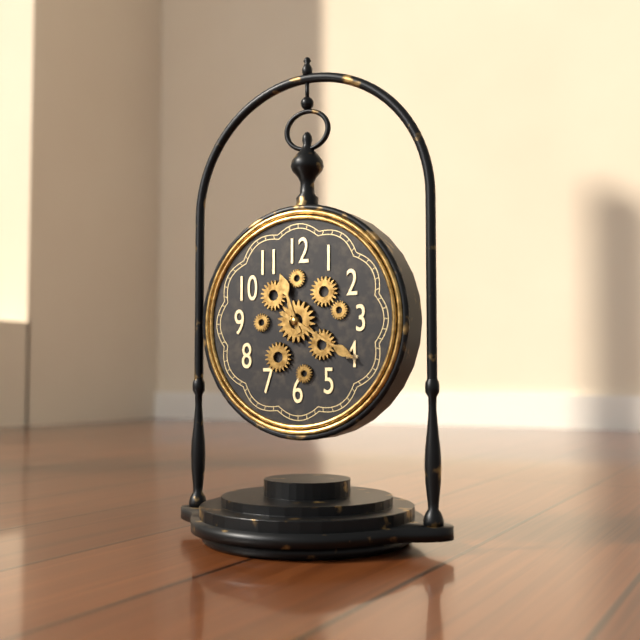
11:20
